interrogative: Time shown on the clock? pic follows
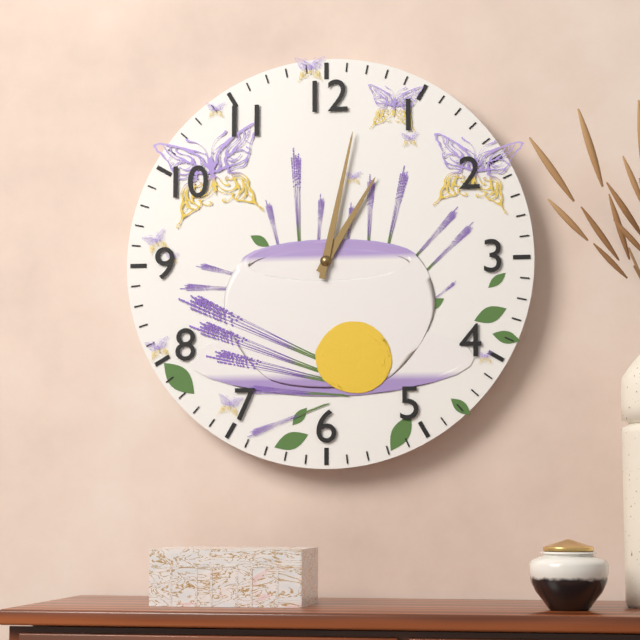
1:02
